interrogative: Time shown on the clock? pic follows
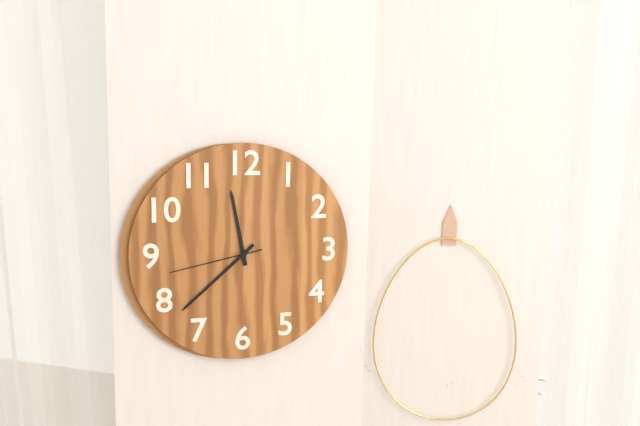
11:38:43
